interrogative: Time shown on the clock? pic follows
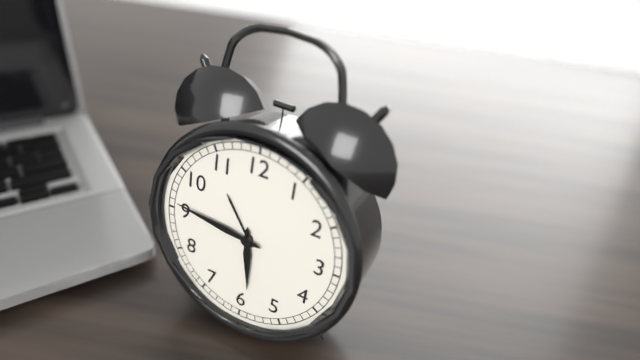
5:46
